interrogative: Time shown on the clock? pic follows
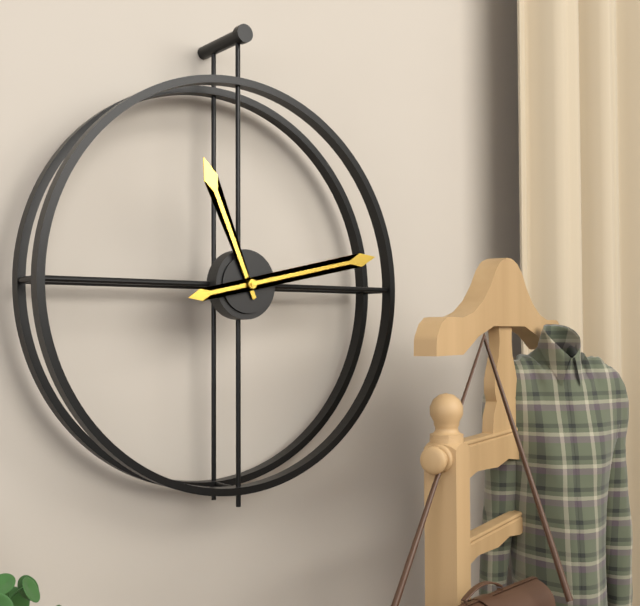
11:13
